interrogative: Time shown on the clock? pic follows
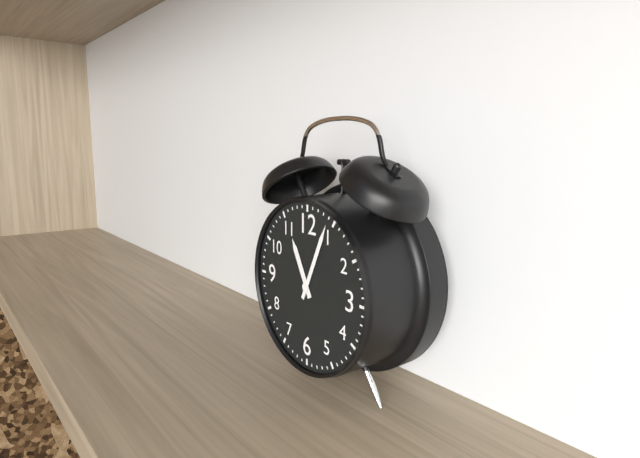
11:04
